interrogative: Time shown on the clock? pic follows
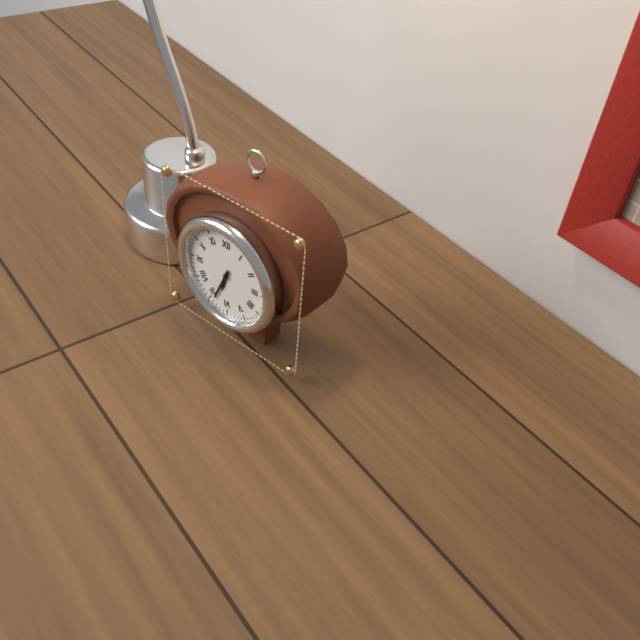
6:34
